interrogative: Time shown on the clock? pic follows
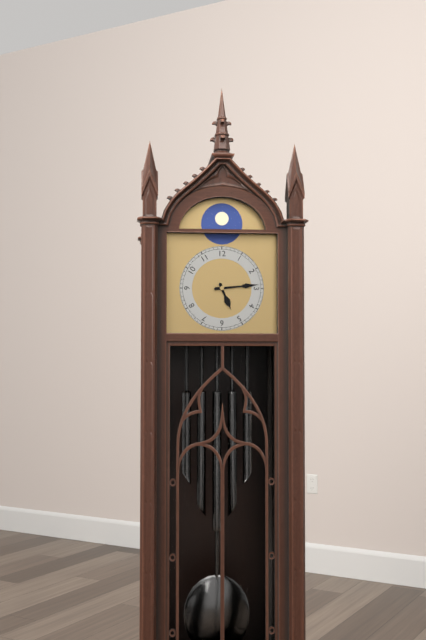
5:14
